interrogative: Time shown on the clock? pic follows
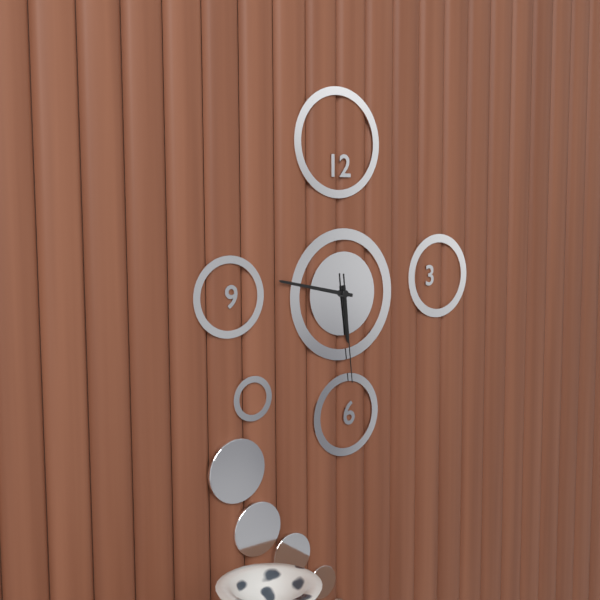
5:47:29
